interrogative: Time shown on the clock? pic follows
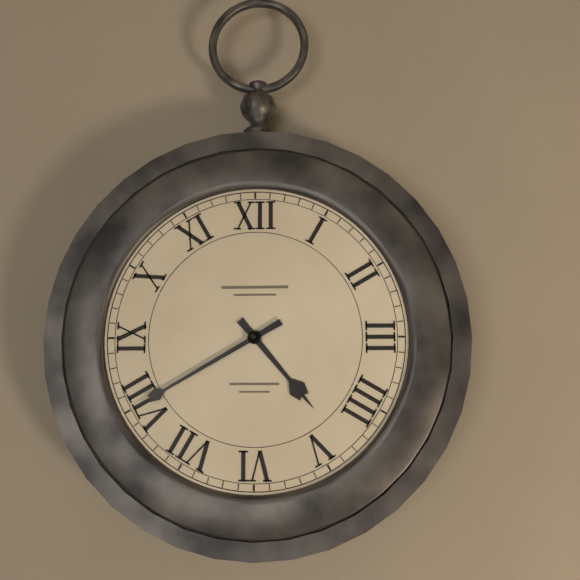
4:40
